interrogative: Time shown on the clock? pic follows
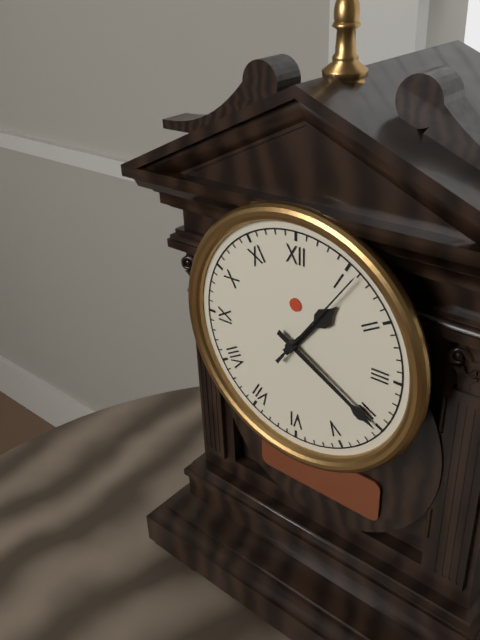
1:20:06
